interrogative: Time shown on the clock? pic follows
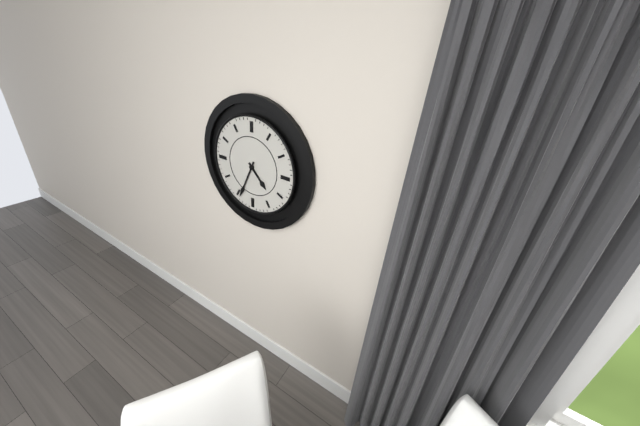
4:34
